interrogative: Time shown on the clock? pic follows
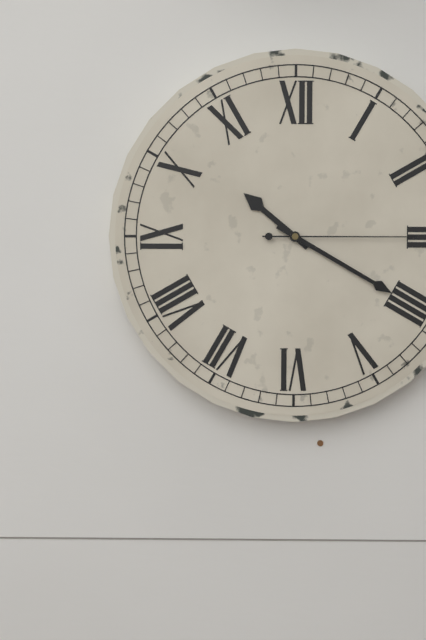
10:20:15
